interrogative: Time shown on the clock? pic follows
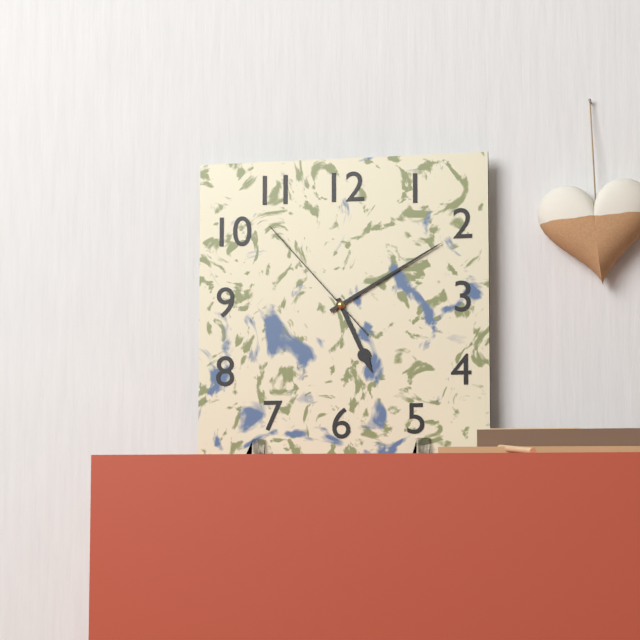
5:10:53
